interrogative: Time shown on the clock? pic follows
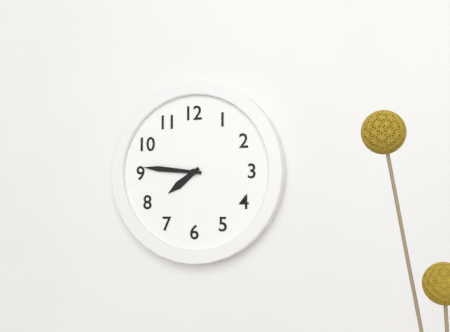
7:46
